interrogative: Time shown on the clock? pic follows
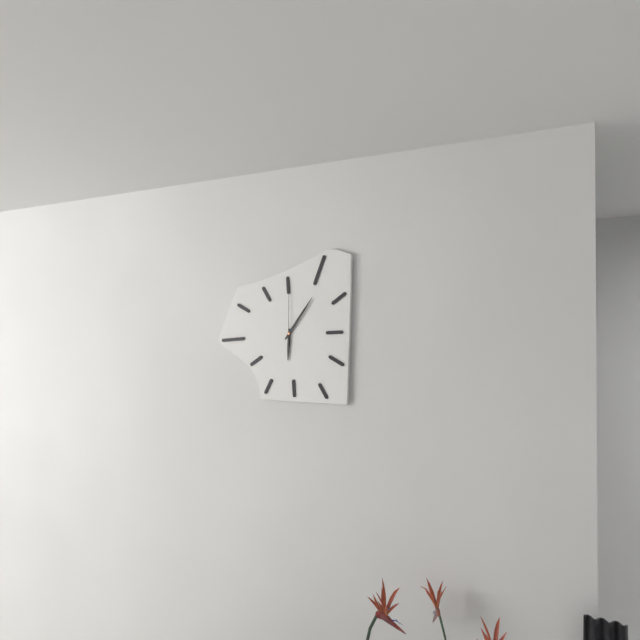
6:06:00
